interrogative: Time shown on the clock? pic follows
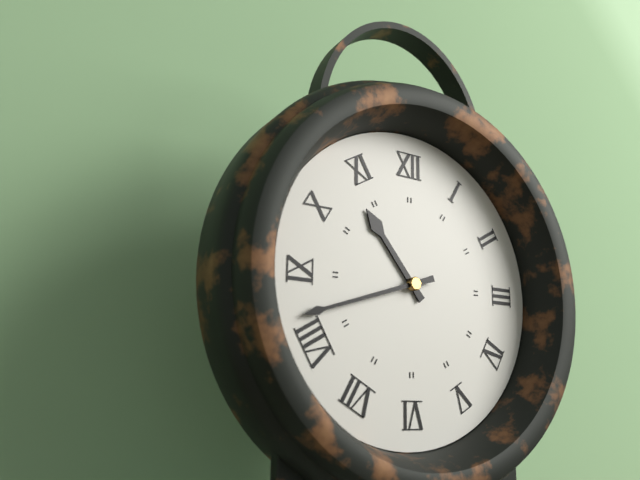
10:42
